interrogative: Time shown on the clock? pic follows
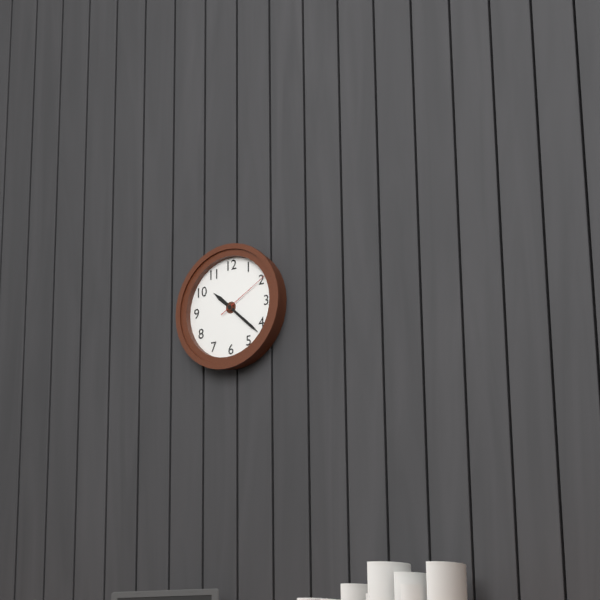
10:22:10
